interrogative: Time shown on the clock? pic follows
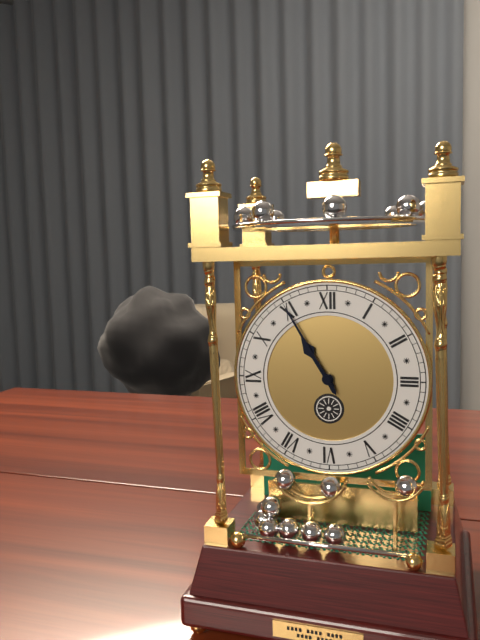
10:55
